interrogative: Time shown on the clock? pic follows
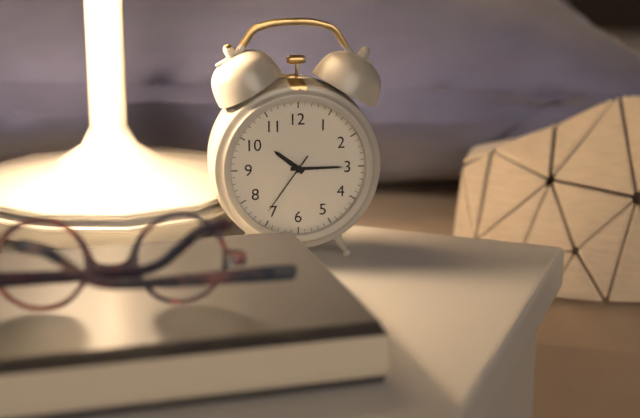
10:15:36
